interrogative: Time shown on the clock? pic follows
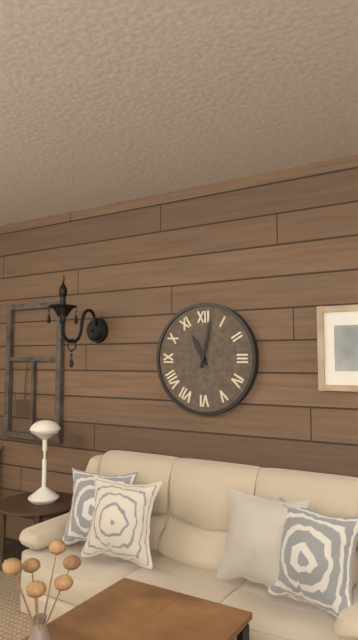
11:02
